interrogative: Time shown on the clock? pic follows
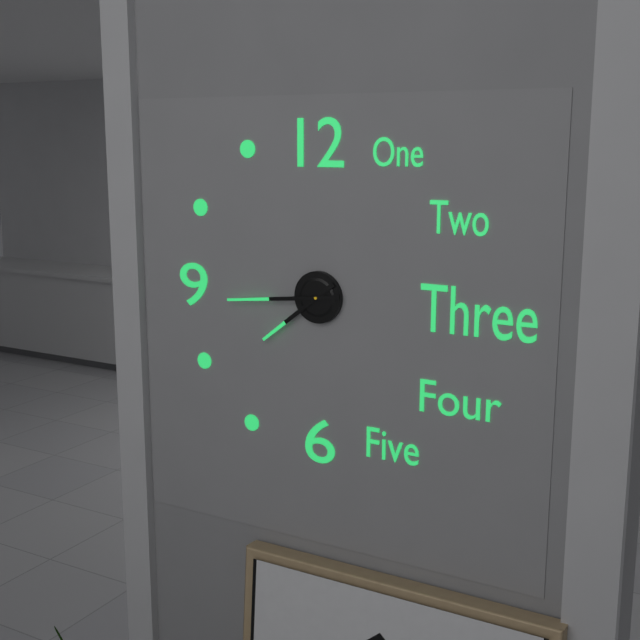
7:44
